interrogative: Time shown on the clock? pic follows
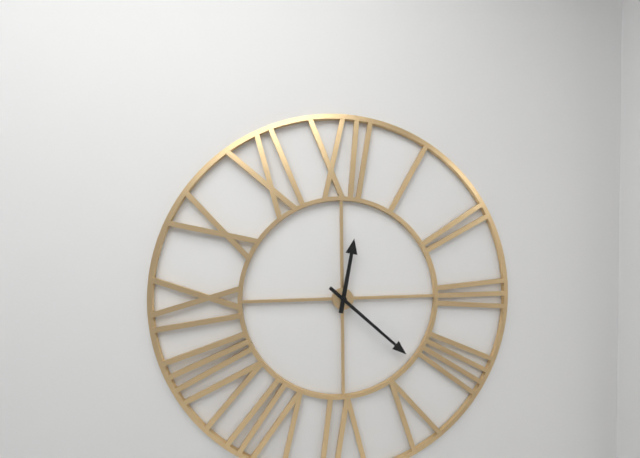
12:22
